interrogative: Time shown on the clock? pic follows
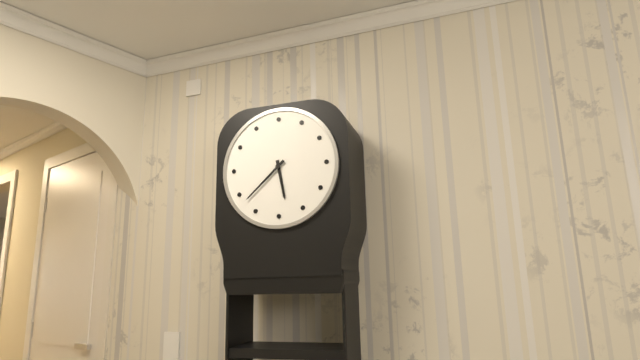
5:38
